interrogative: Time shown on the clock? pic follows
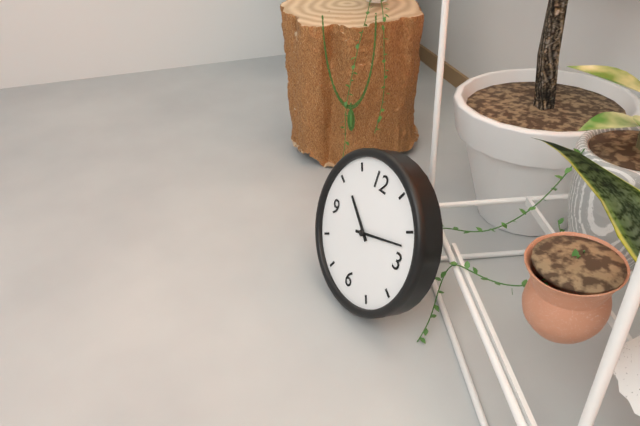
10:12
